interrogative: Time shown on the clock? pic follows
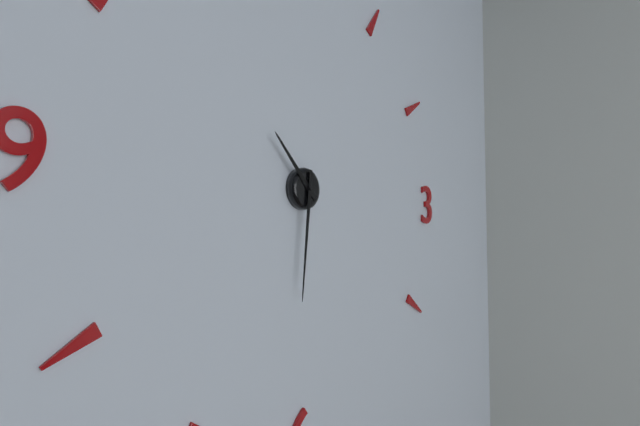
10:31
